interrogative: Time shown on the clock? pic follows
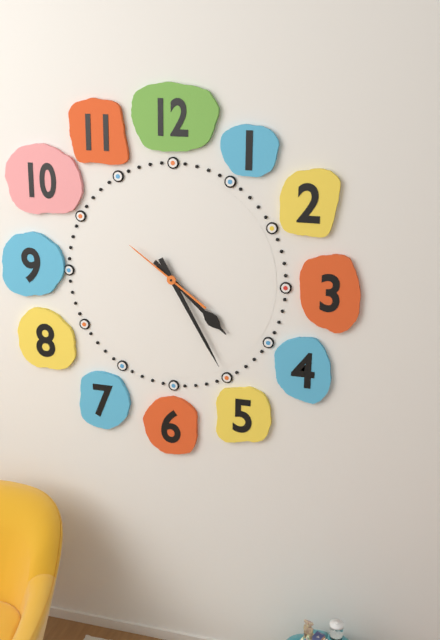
4:25:51
